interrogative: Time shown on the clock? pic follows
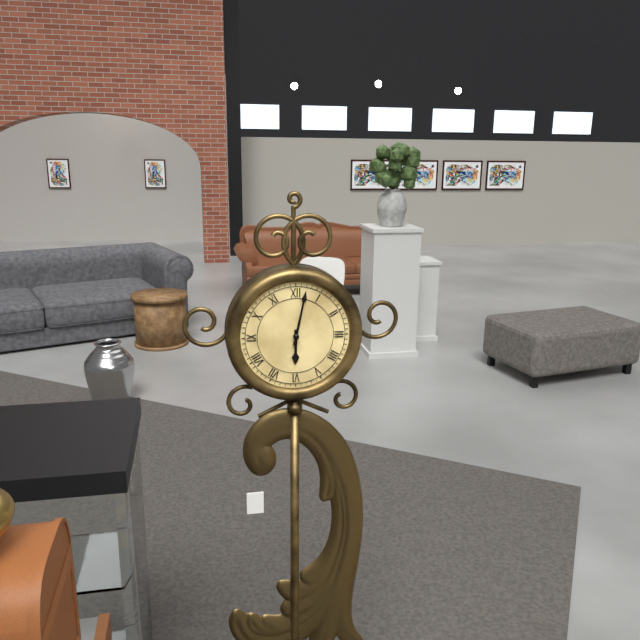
6:02
